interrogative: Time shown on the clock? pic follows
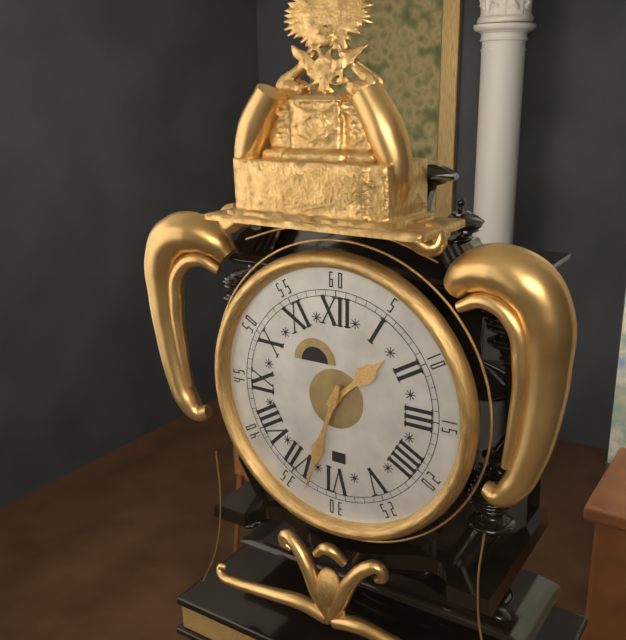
1:33
